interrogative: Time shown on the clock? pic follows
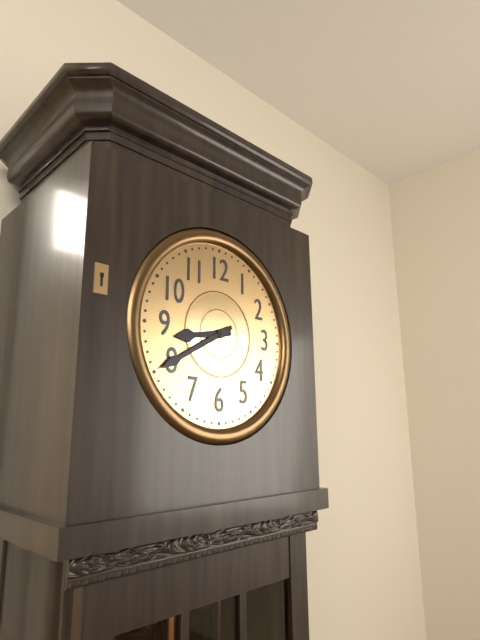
8:40
